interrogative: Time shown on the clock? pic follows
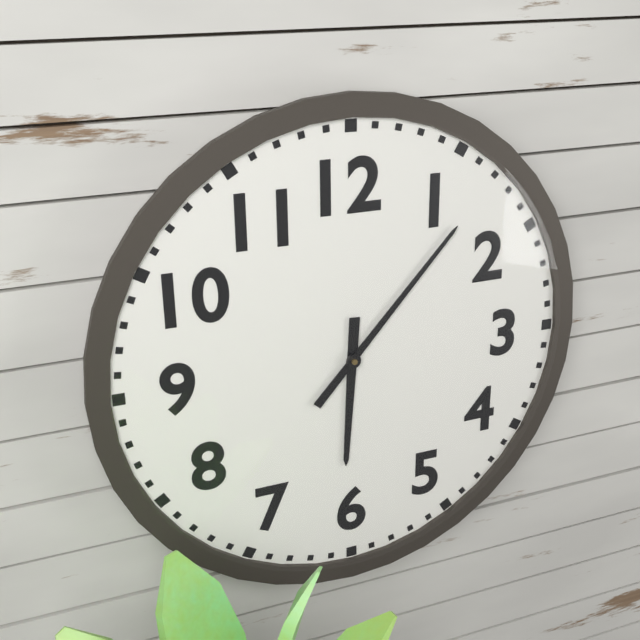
6:07
